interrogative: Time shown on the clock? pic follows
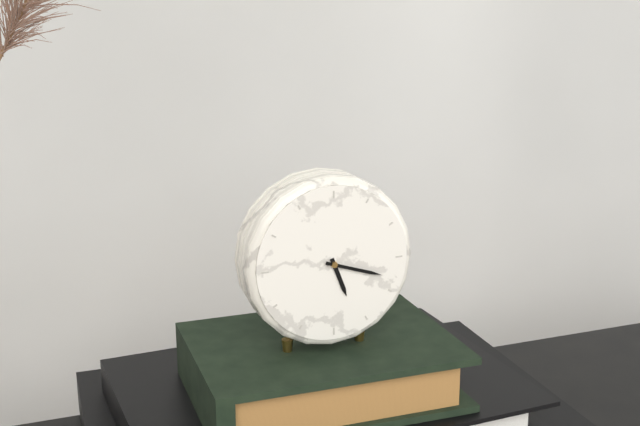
5:18
